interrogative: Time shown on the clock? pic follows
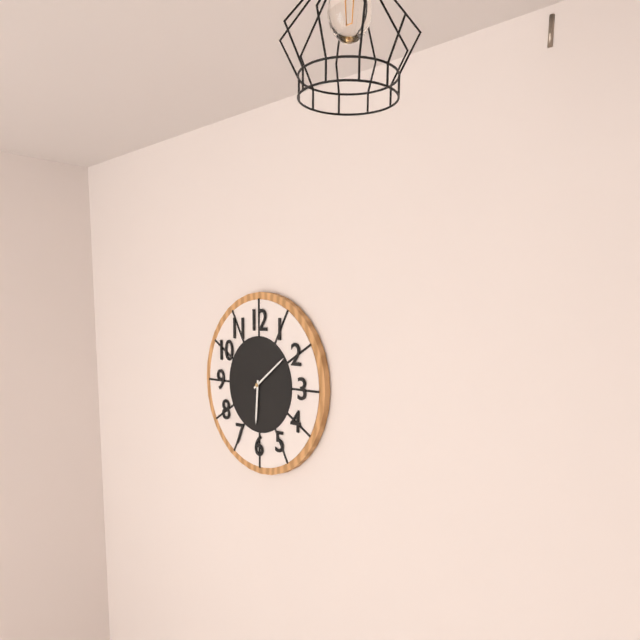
6:09
